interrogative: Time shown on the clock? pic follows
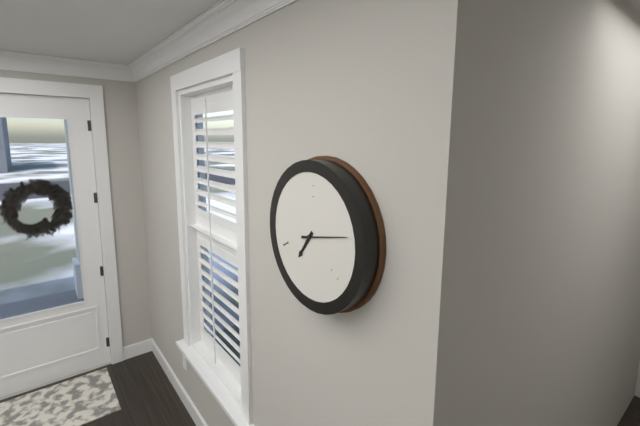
7:13
